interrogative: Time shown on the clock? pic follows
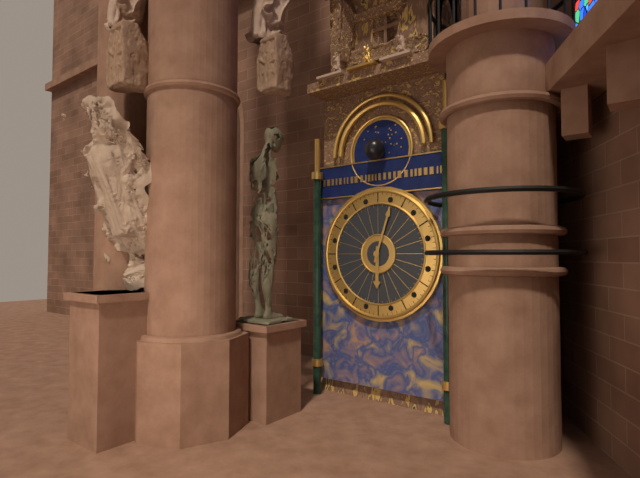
6:03
